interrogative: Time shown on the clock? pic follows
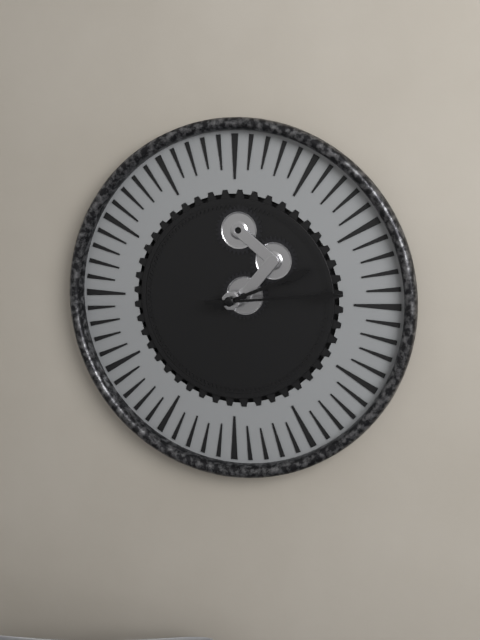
2:14
